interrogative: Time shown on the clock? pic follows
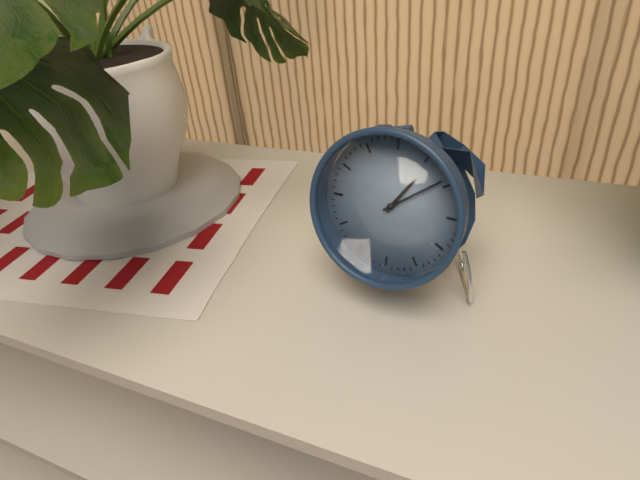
1:09
